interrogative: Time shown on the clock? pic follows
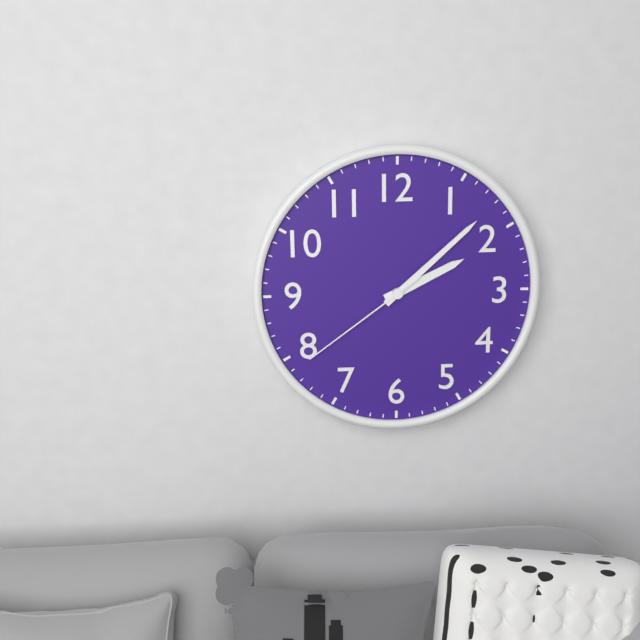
2:08:39
